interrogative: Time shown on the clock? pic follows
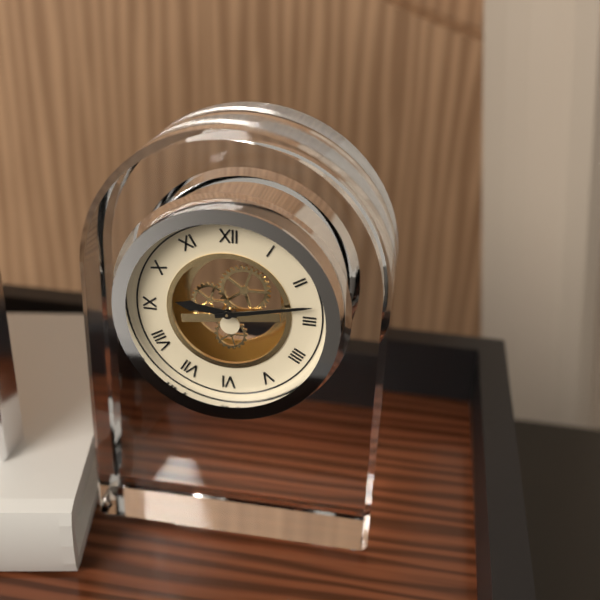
9:13
